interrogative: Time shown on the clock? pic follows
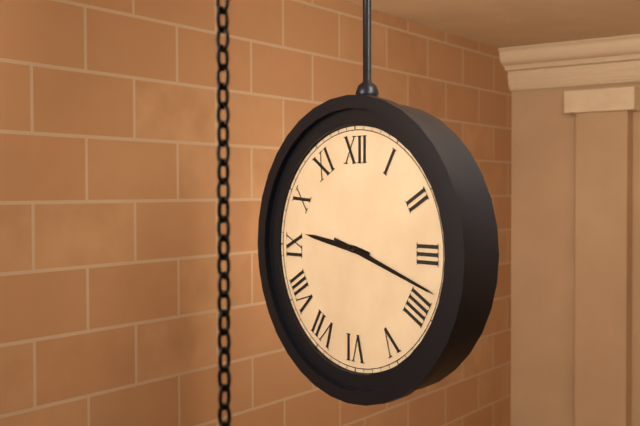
9:18
